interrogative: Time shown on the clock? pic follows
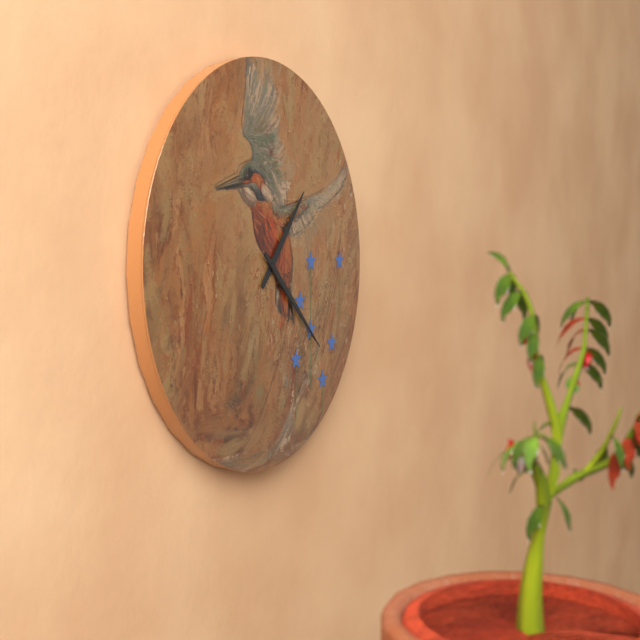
1:22
